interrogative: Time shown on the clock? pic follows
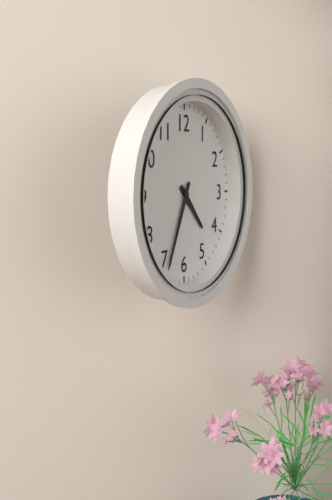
4:34
